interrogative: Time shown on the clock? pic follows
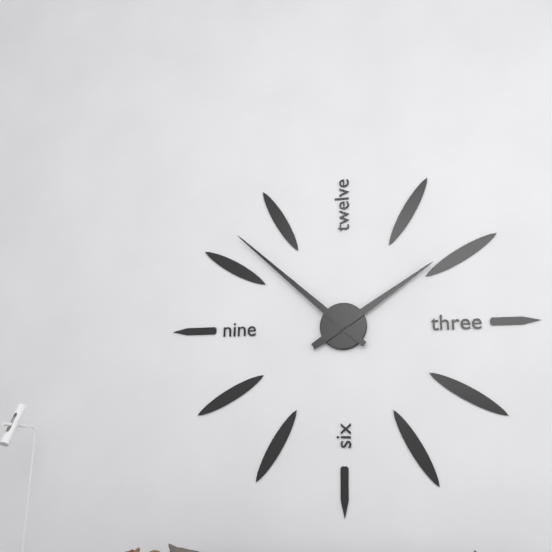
1:52
